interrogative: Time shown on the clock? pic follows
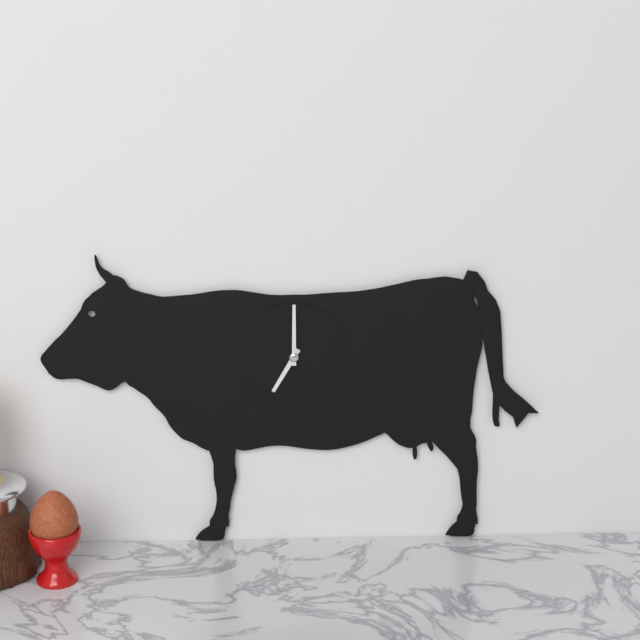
7:00
